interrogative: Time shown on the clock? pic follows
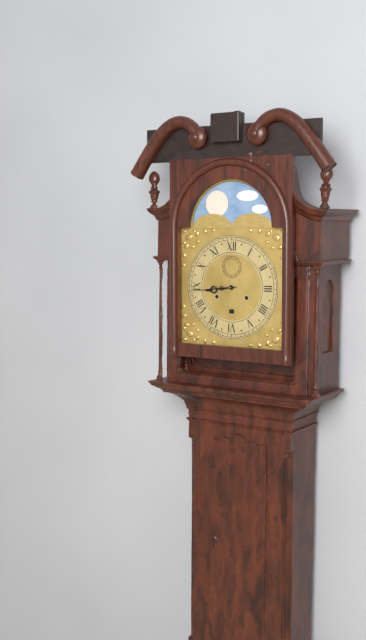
8:44
